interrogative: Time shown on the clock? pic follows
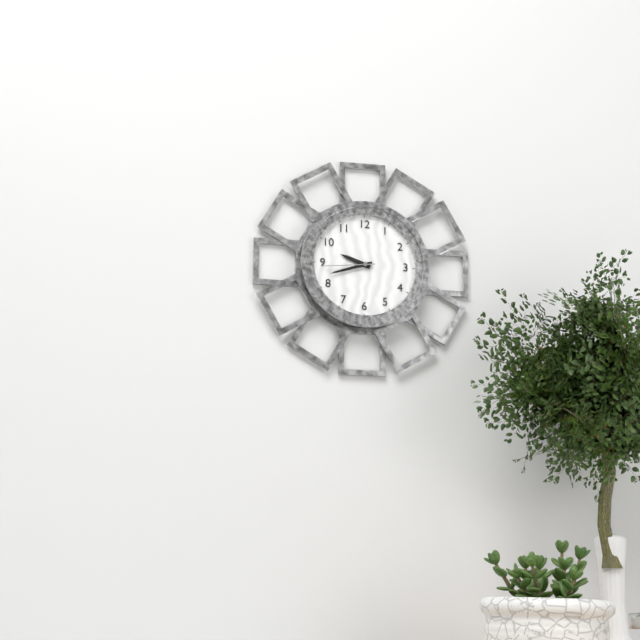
9:42:44
